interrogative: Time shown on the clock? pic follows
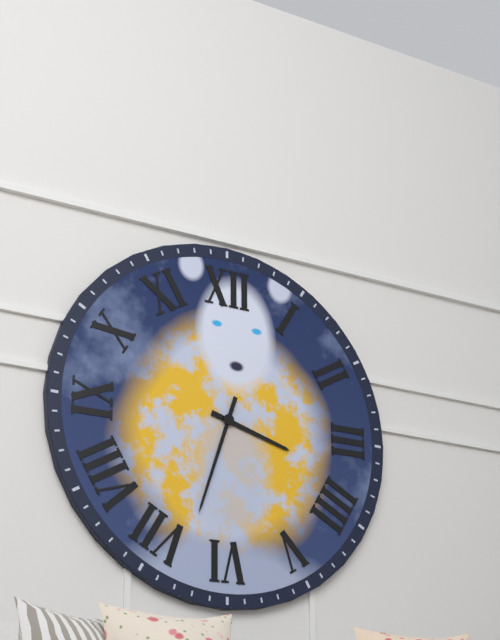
3:33
